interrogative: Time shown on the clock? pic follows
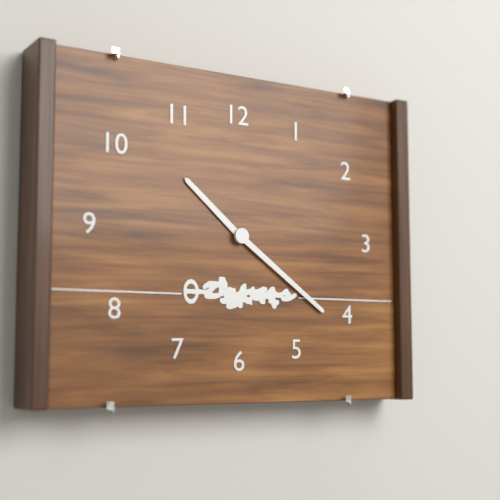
10:21
